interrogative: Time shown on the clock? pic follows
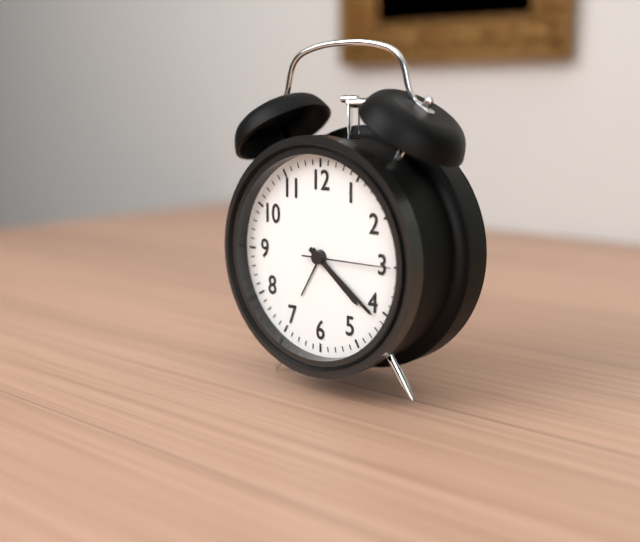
4:21:15
